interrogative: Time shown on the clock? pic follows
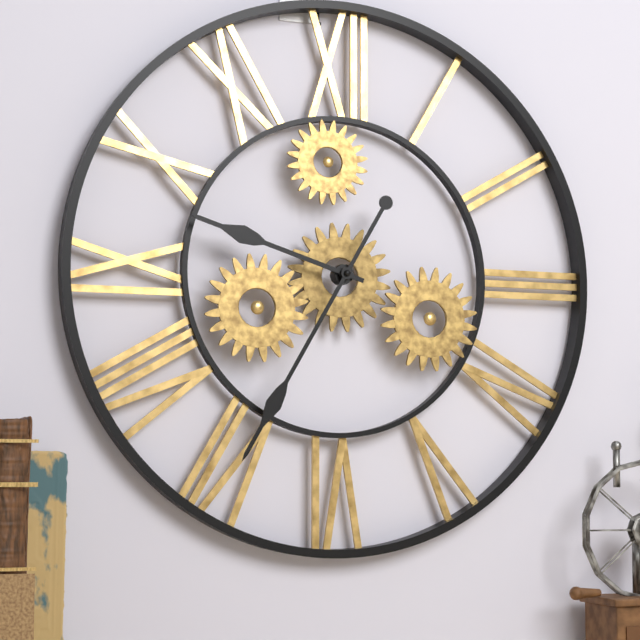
9:35
